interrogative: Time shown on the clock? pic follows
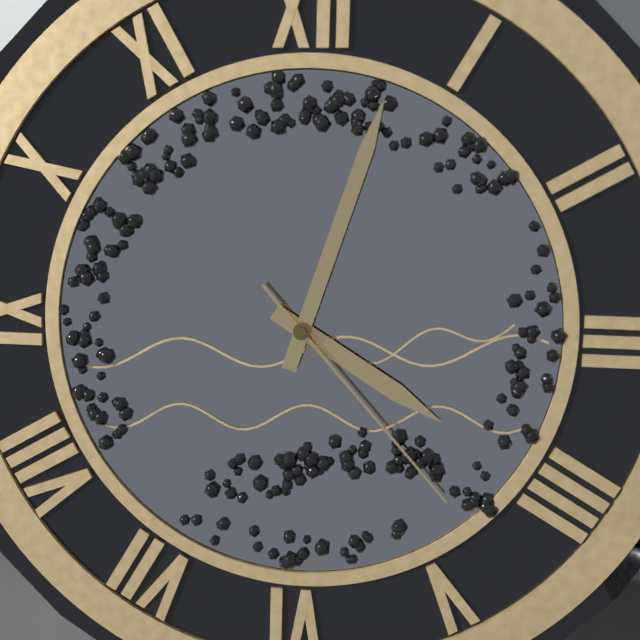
4:03:23
